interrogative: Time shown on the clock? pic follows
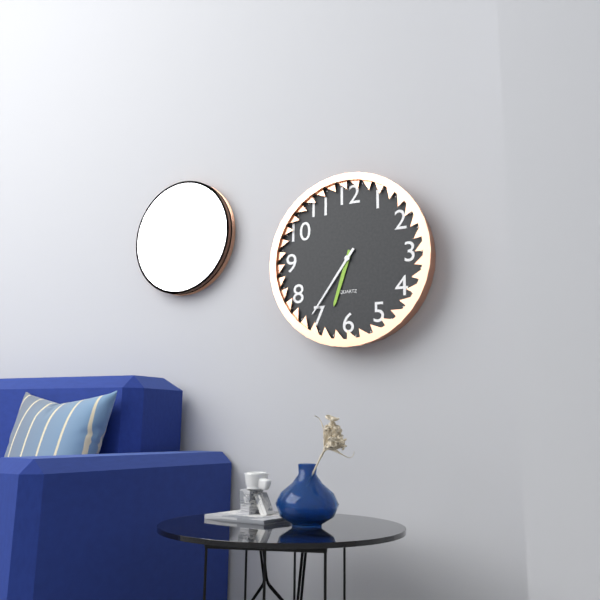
6:36
